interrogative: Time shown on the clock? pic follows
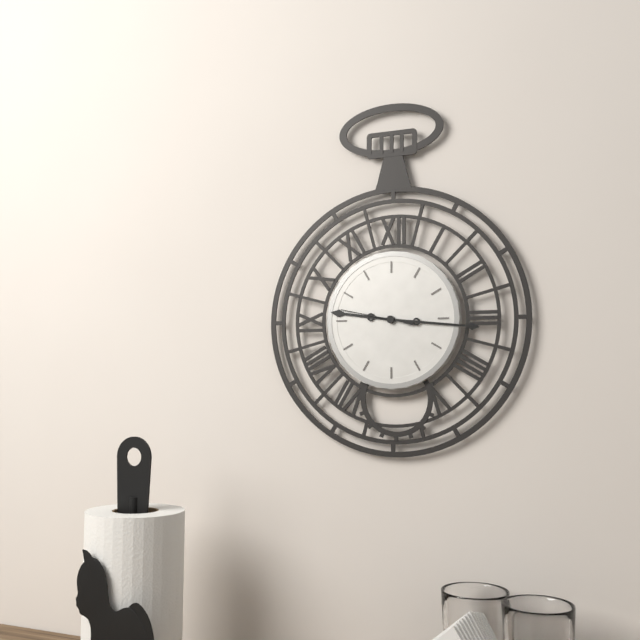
9:16:47
